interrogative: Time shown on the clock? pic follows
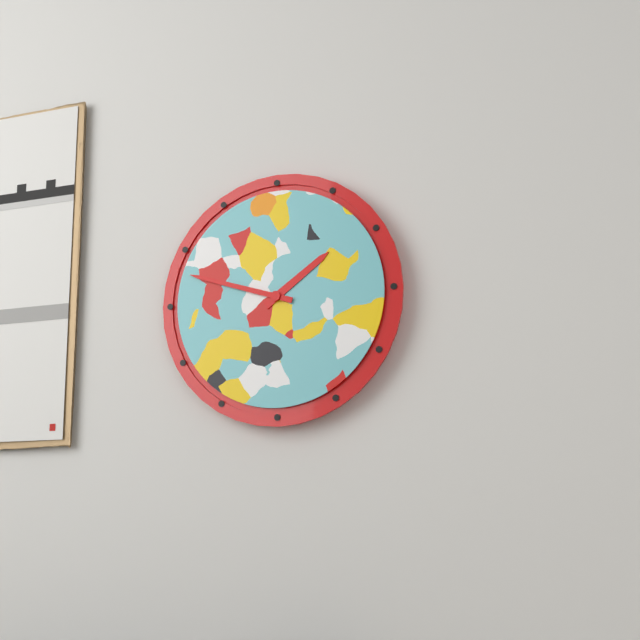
1:48
